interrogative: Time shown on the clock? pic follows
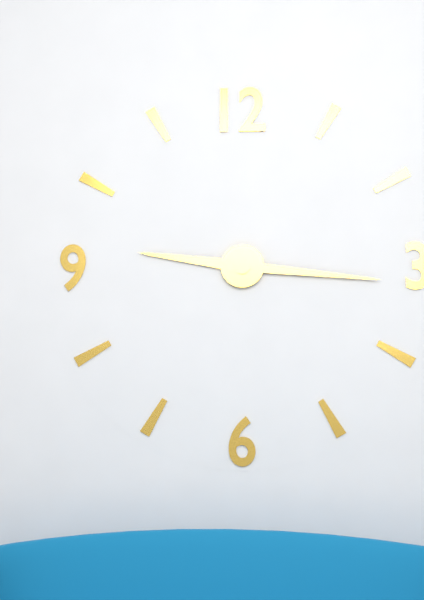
9:16
